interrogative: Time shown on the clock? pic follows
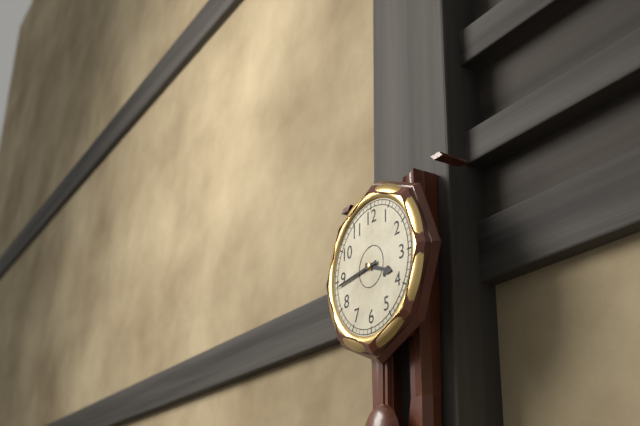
3:44
